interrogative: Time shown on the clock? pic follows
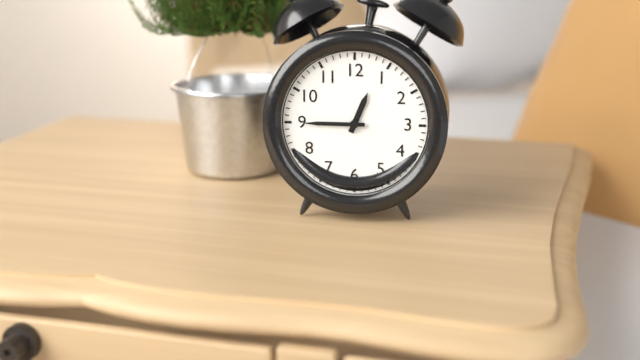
12:45
